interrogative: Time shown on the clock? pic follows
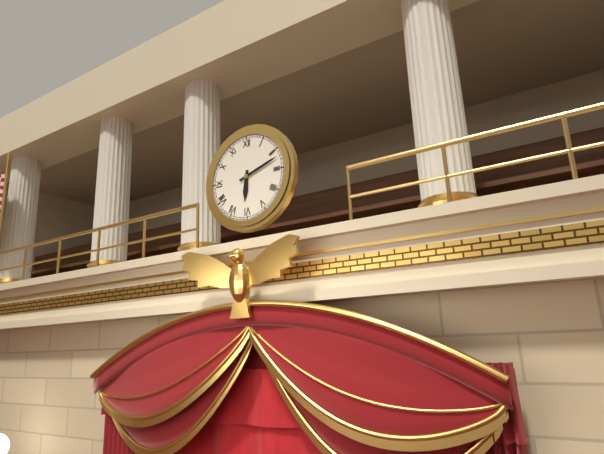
6:12
